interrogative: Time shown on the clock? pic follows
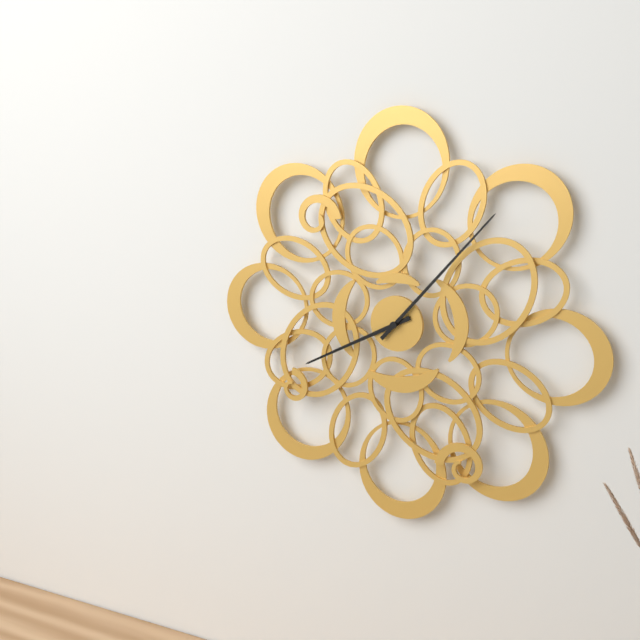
8:07
